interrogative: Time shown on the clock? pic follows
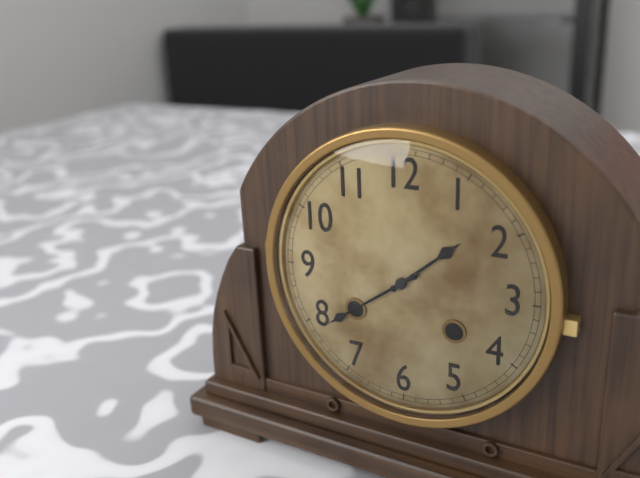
1:39
